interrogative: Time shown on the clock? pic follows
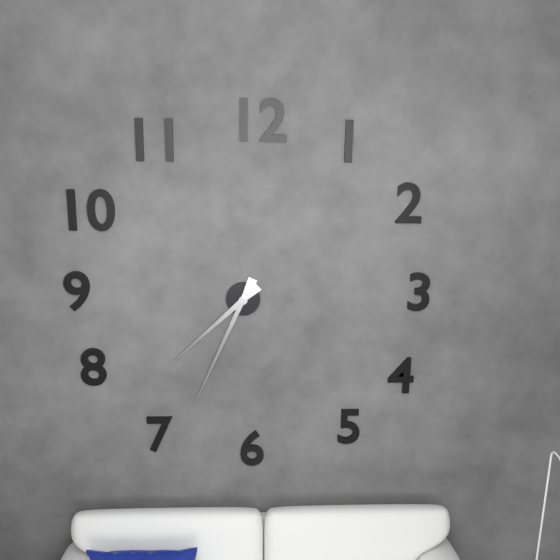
7:34
